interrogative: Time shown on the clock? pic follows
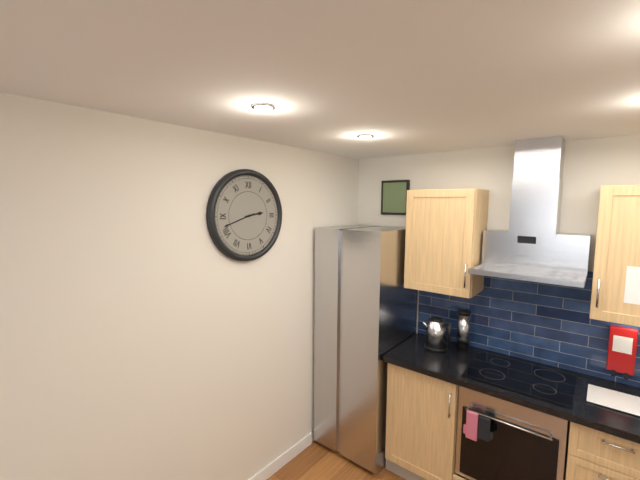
2:42
